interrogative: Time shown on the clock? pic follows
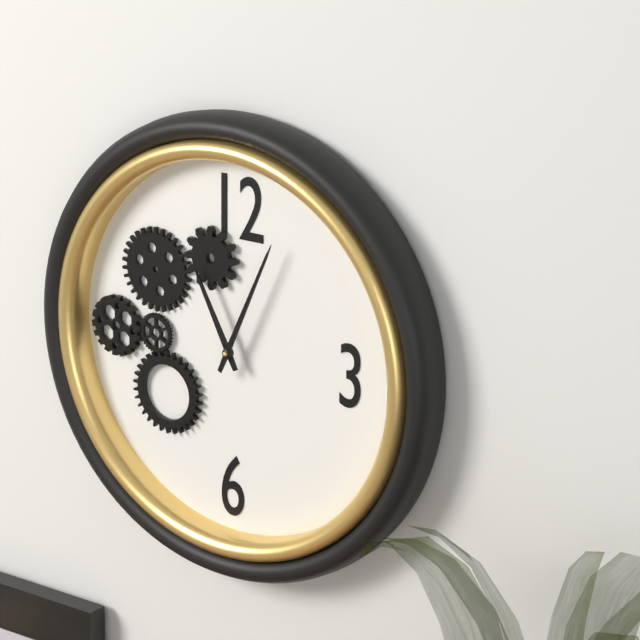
11:04
